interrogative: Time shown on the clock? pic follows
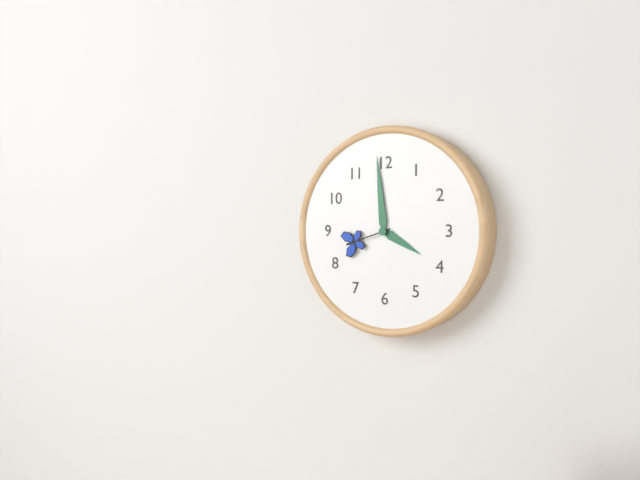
3:59:42
